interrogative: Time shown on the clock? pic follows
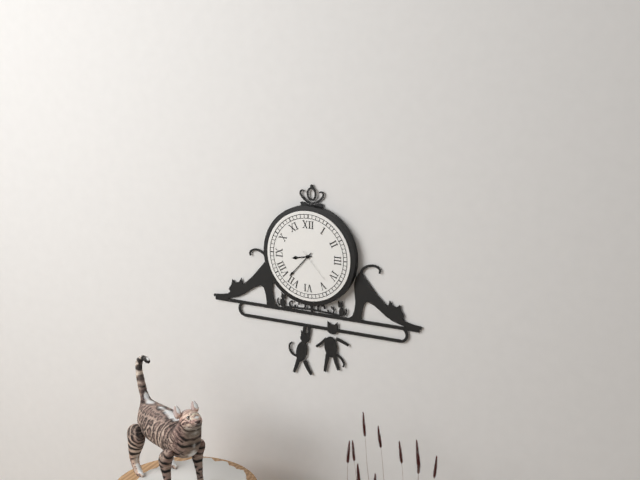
8:37
